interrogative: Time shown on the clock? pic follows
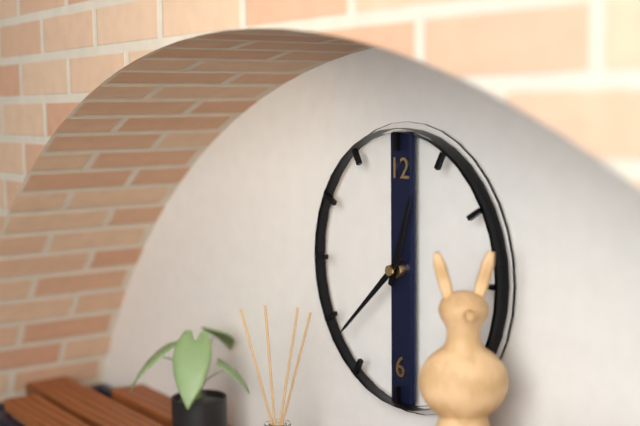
12:38
